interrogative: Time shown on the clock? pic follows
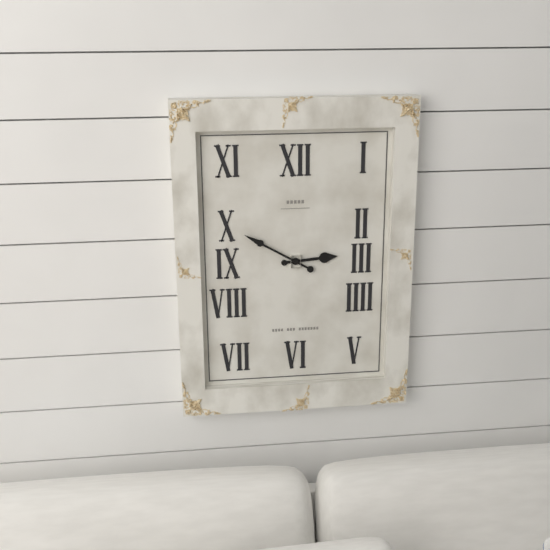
2:50
